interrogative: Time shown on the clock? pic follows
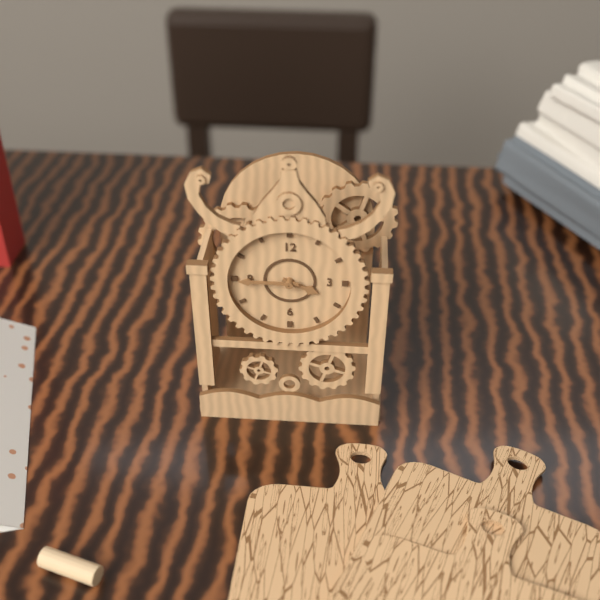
3:45
